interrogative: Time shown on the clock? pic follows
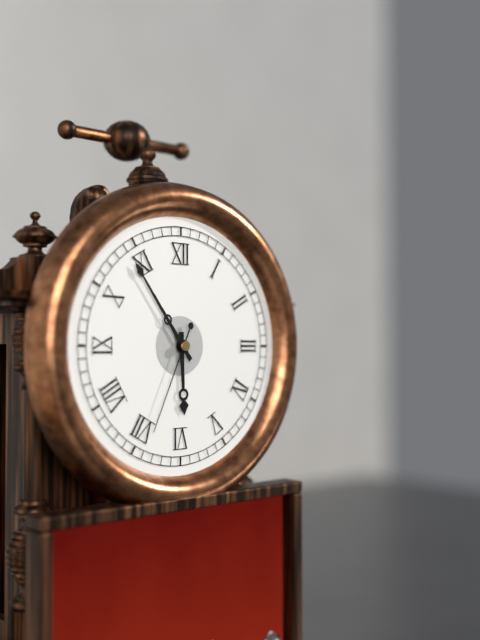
5:54:34
